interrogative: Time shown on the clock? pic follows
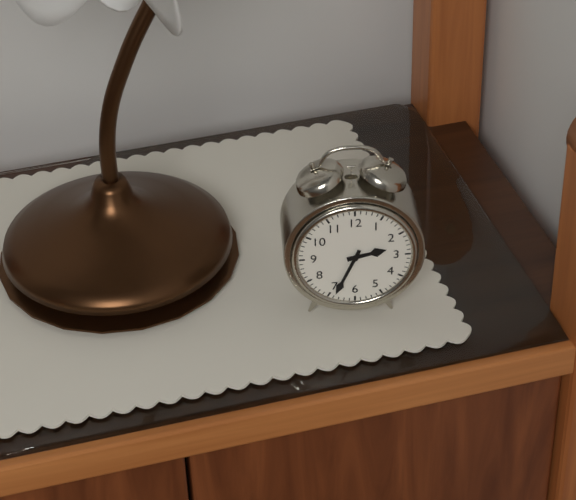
2:34
